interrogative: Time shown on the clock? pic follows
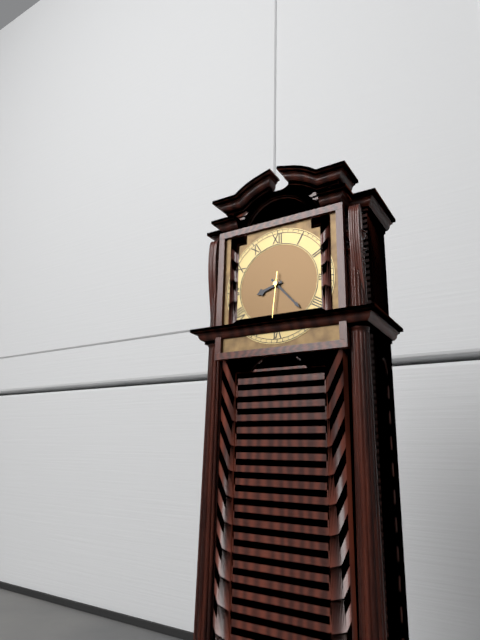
8:23
